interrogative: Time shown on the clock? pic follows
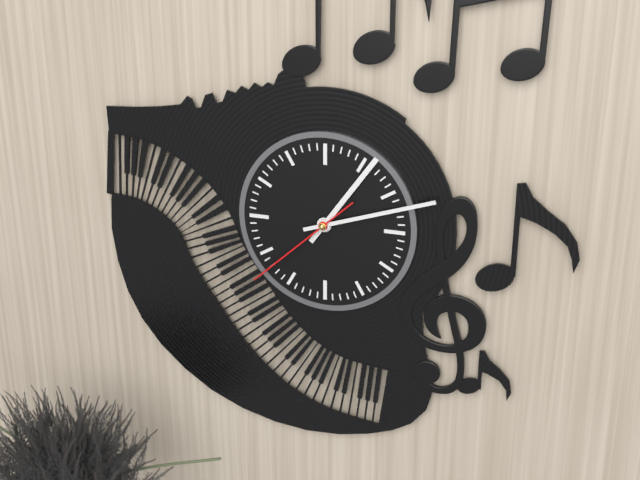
1:12:38
